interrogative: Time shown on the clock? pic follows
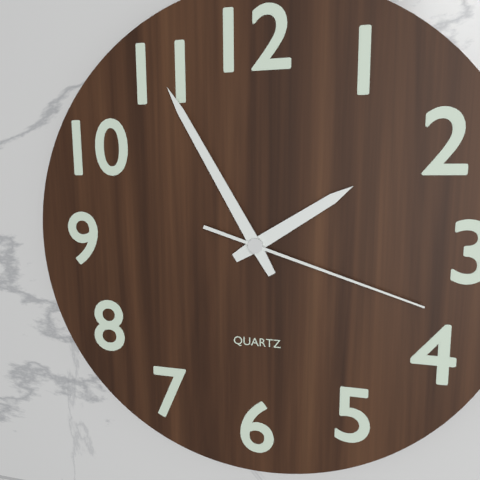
1:55:18
